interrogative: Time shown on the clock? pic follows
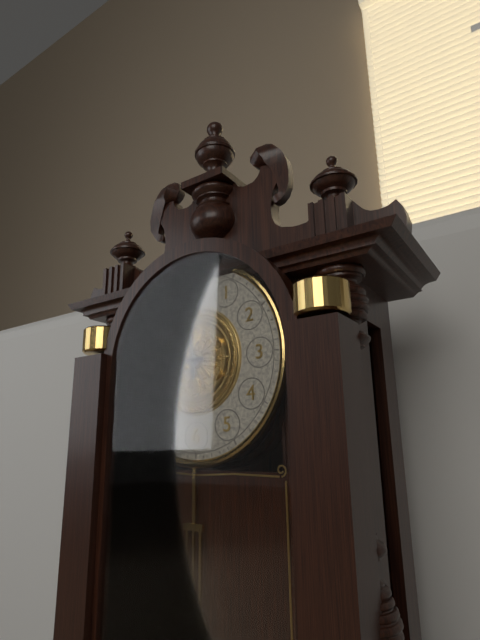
8:59
